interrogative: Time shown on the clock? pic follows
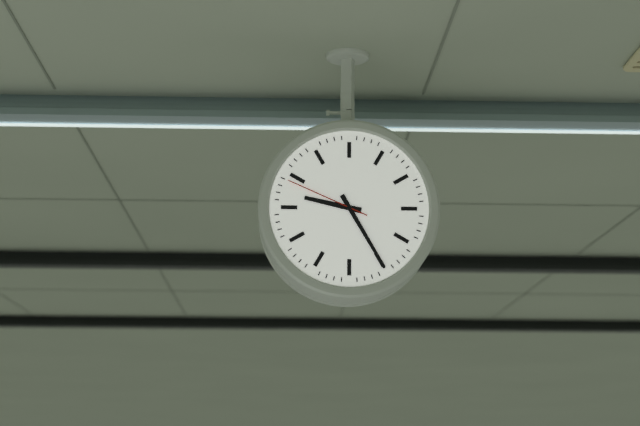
9:25:49
